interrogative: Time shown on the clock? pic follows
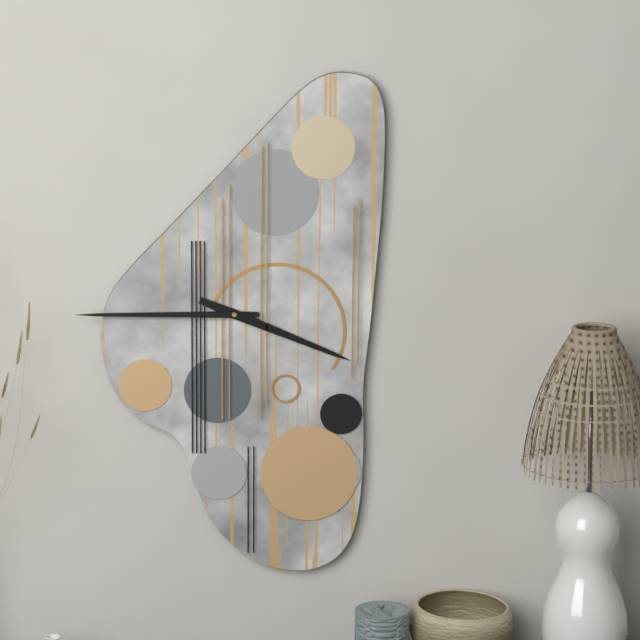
3:45
